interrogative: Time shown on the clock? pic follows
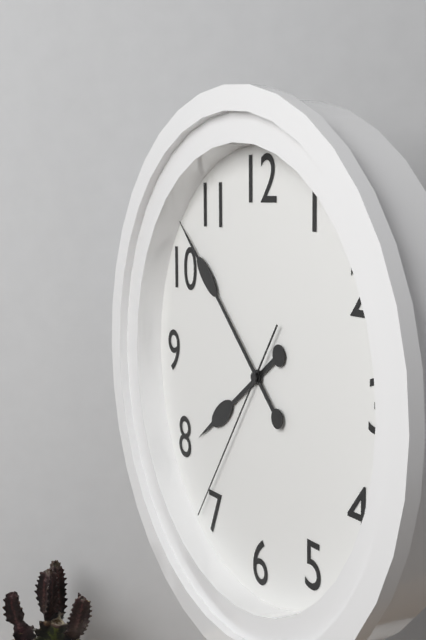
7:52:36
